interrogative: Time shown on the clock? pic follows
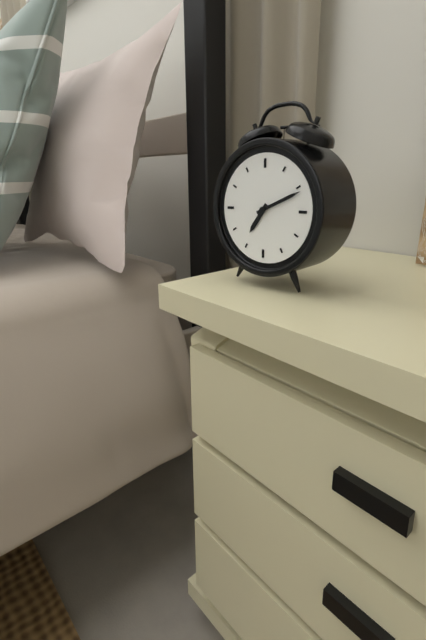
7:11
